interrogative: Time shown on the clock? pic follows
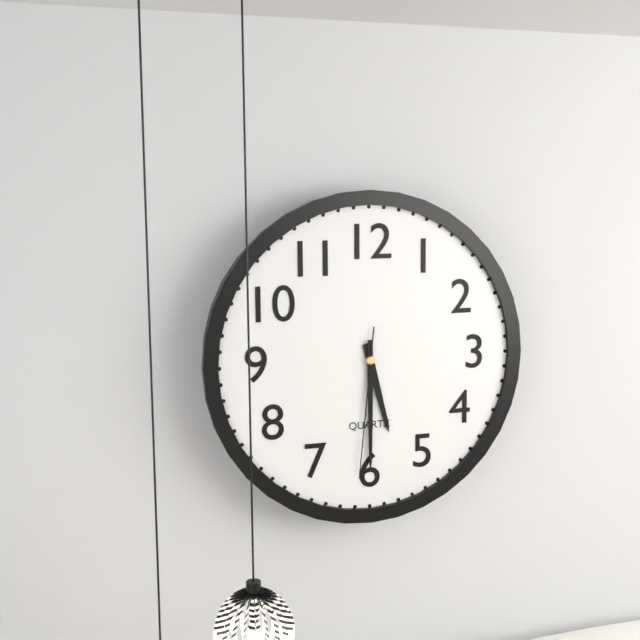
5:30:31
